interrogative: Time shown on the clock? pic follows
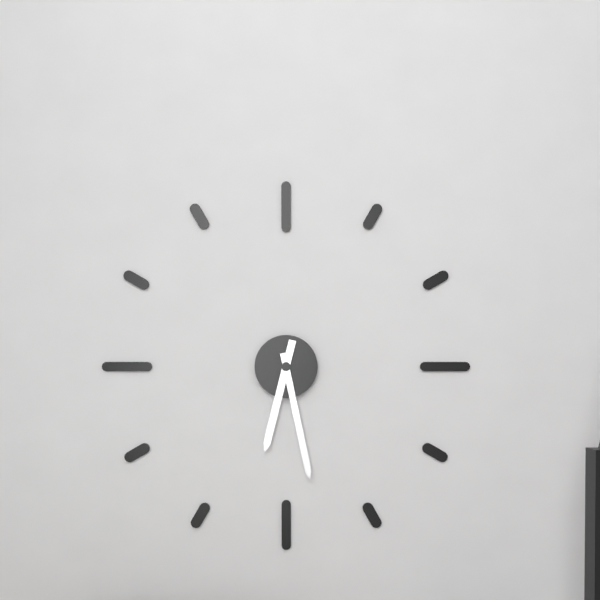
6:28
